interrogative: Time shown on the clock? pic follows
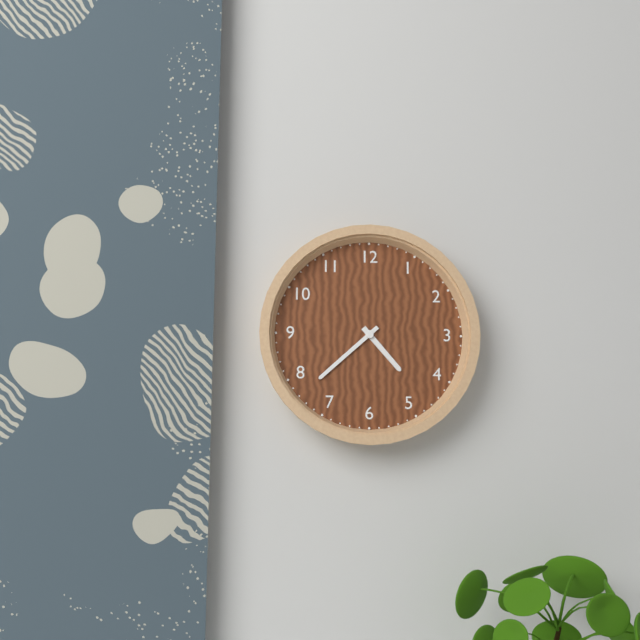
4:38
